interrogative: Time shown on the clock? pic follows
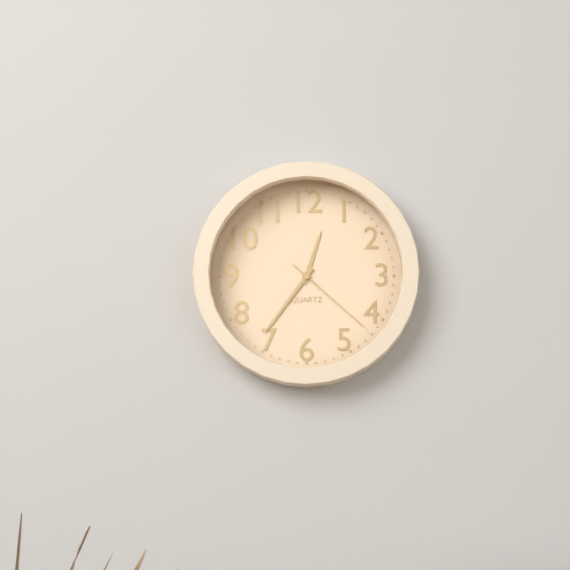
12:36:22
